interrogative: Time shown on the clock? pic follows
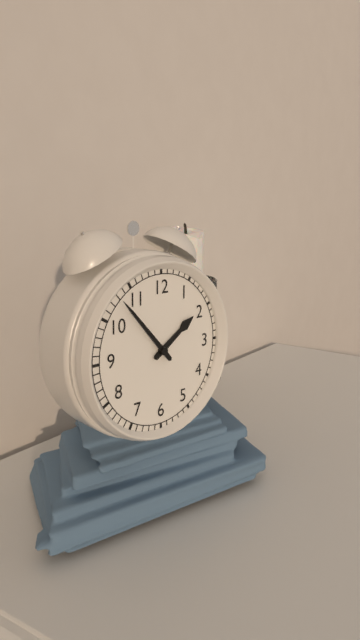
1:53
